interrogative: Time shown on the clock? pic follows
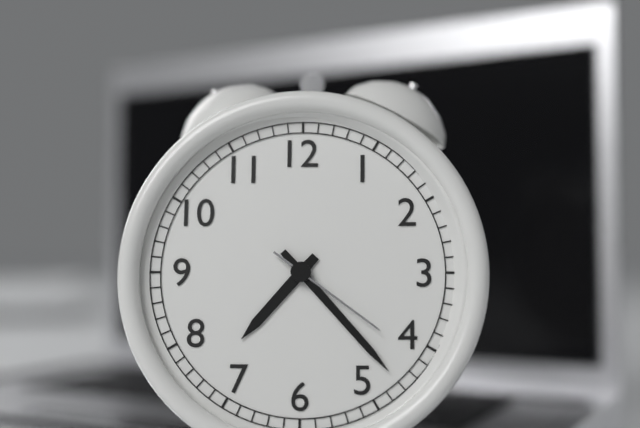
7:23:21
